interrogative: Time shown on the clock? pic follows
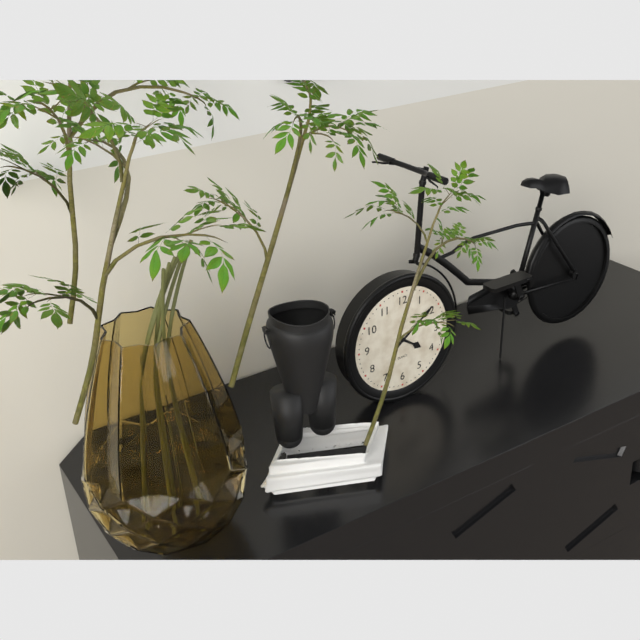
4:09
